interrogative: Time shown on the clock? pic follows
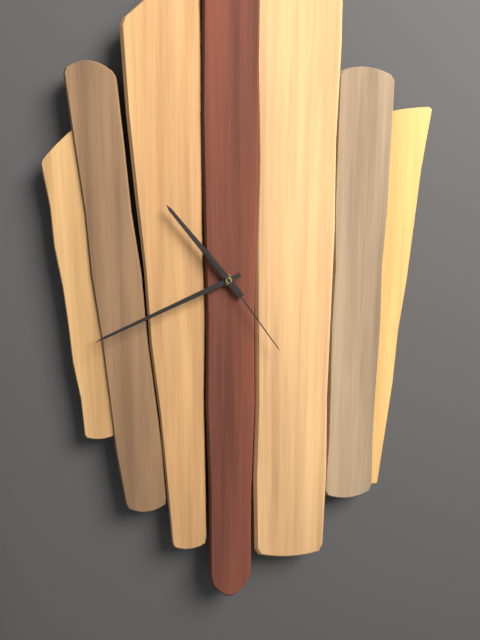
10:41:24
